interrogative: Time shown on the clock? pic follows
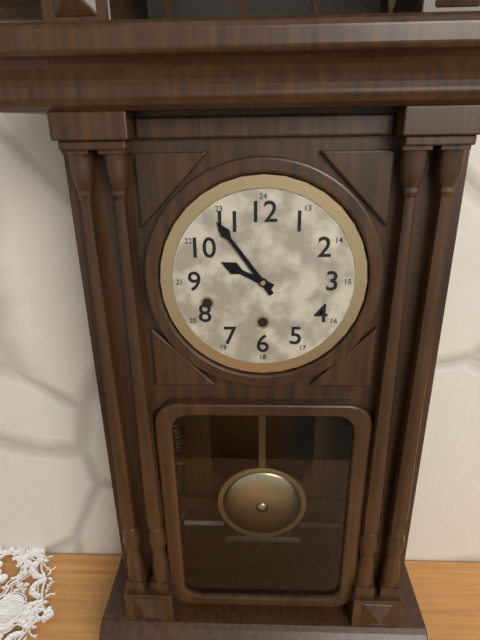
9:54
